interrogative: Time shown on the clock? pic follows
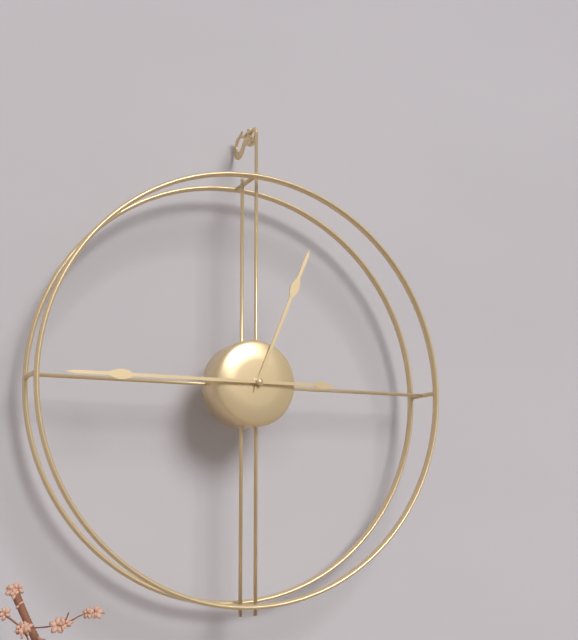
12:45
